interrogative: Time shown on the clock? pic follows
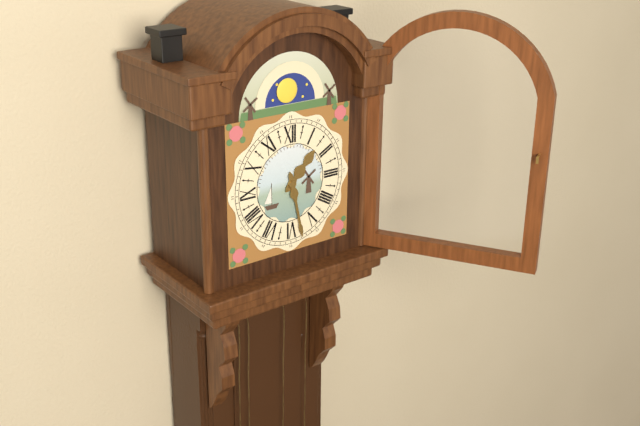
1:28
